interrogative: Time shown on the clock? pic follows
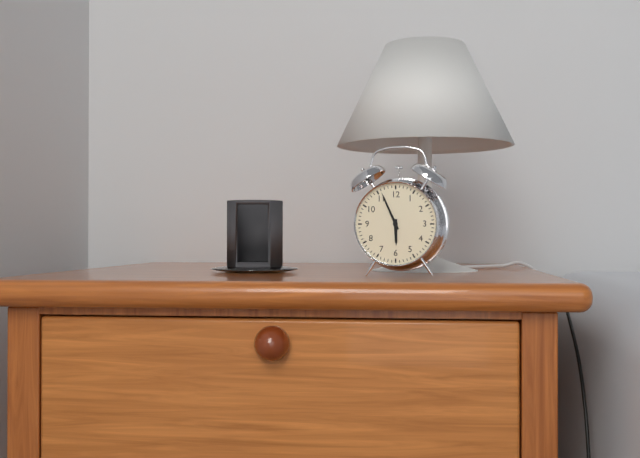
5:56
